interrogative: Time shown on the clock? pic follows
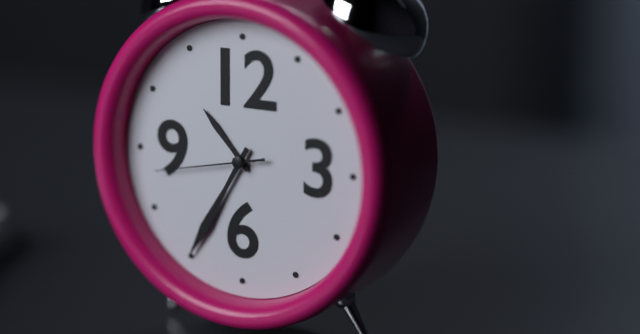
10:35:43
